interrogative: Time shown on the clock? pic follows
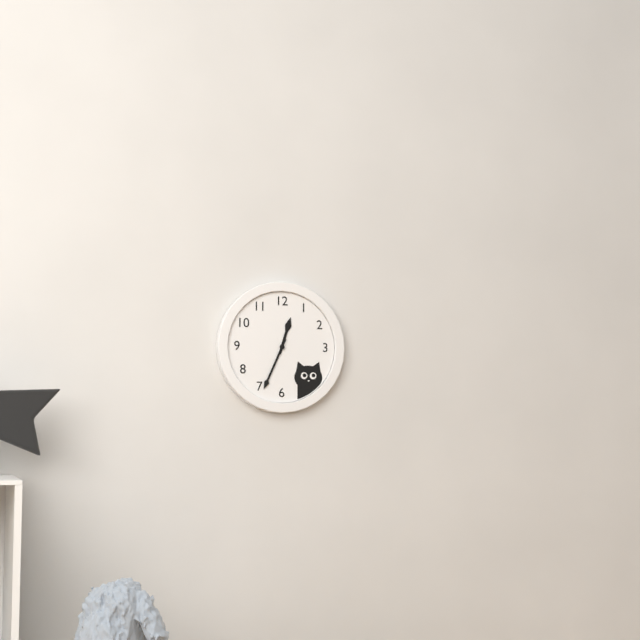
12:34
